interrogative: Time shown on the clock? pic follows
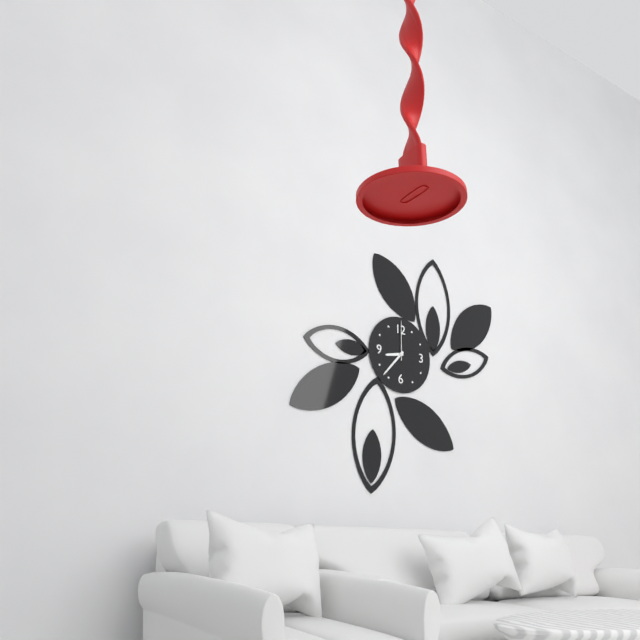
8:37
